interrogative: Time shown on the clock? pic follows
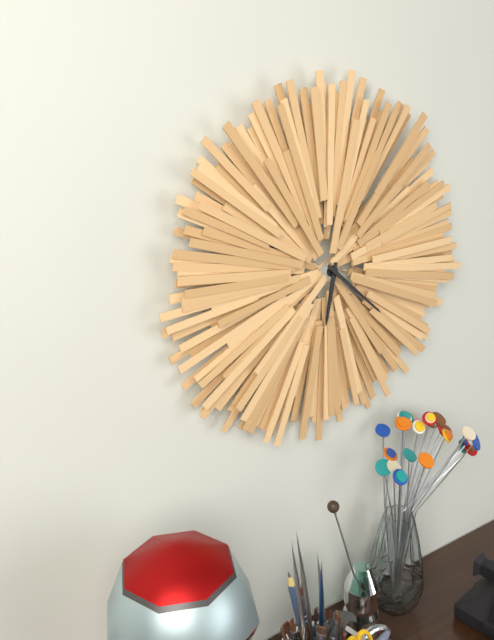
6:22
